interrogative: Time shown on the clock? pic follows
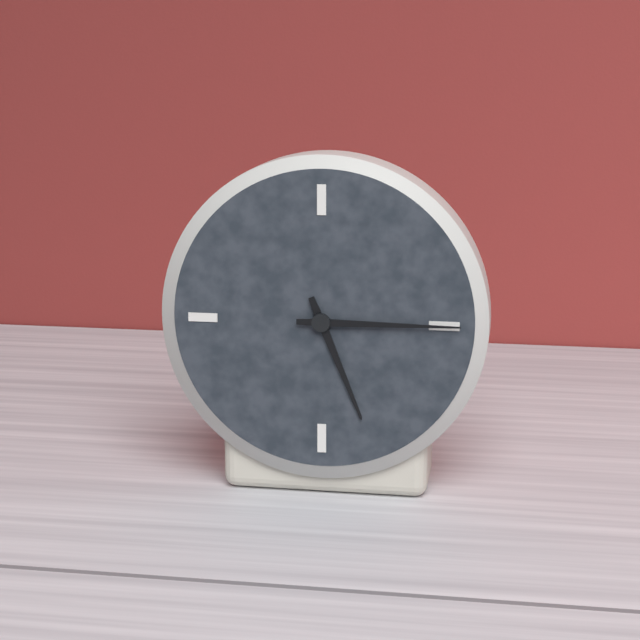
5:15
